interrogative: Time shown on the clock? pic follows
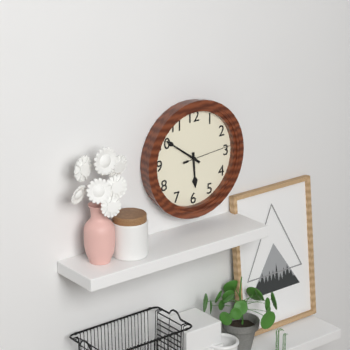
5:51
